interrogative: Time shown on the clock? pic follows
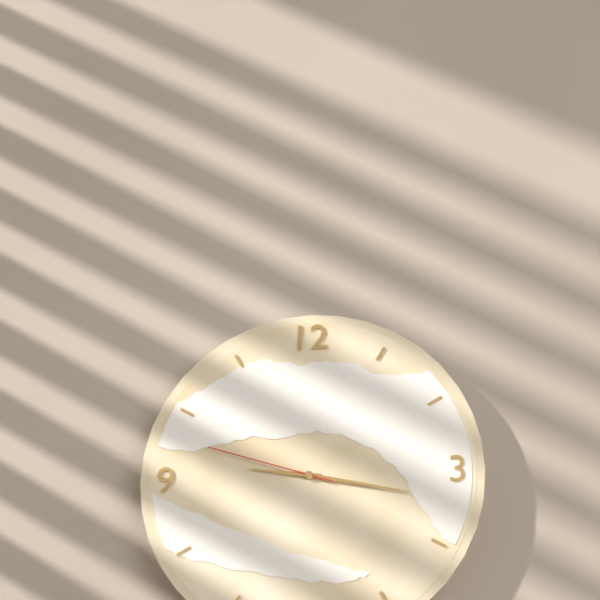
9:17:48
